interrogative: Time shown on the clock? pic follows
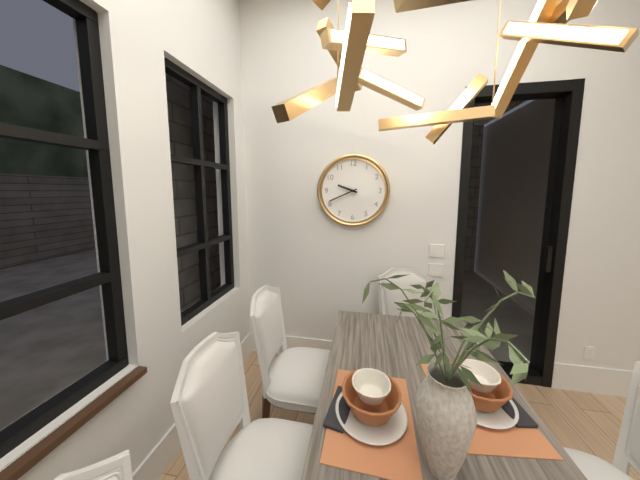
9:41
